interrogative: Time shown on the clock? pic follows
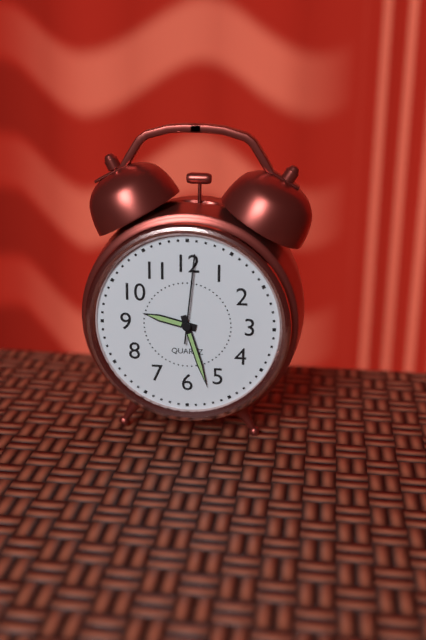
9:27:01
